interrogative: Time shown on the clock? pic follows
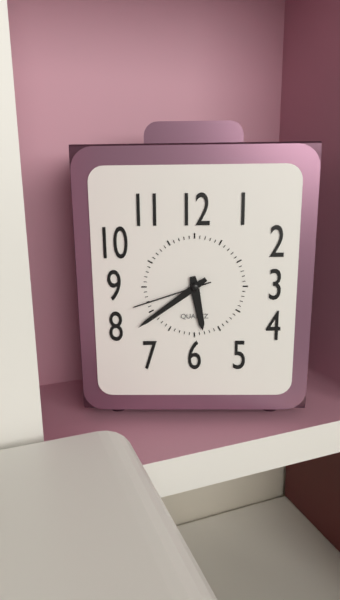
5:39:42
